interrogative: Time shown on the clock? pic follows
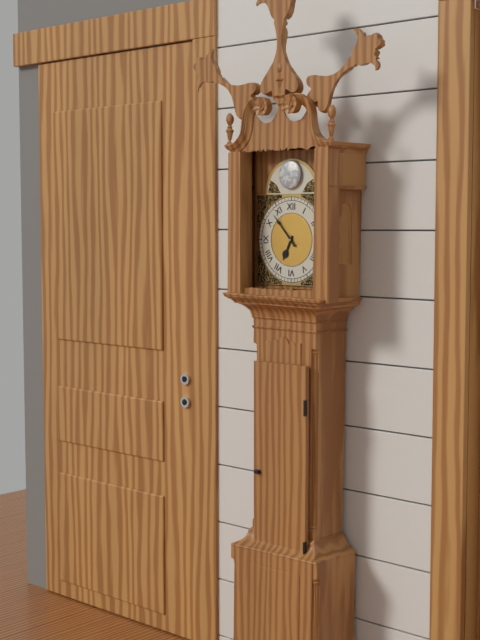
6:53
